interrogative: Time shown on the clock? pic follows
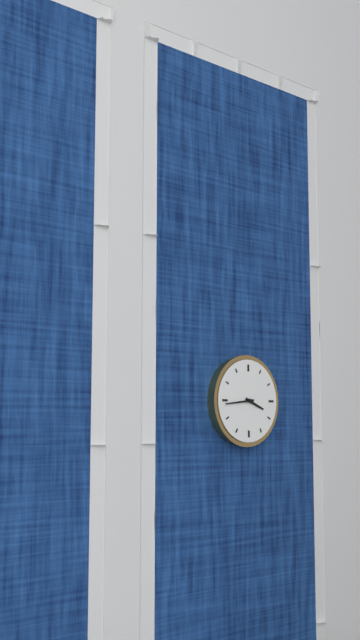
3:44
